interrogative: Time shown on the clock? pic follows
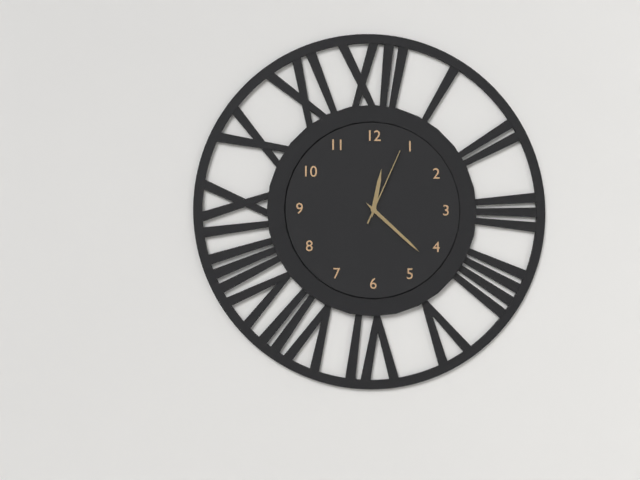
12:22:04
